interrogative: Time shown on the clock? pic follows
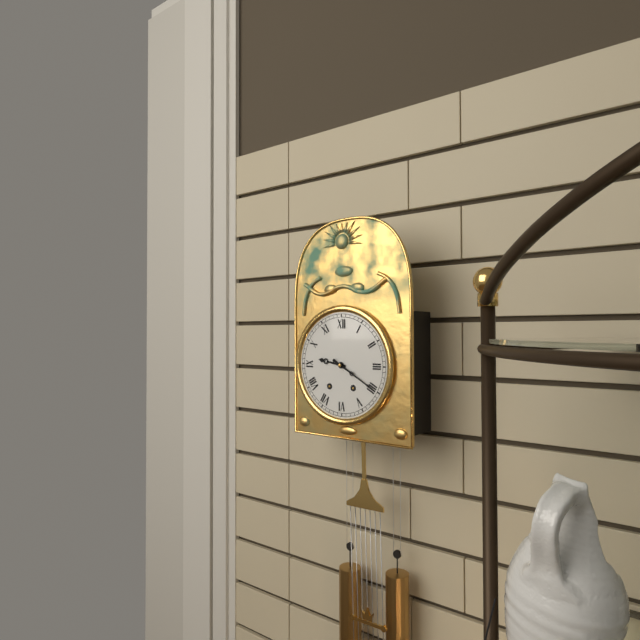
9:20
